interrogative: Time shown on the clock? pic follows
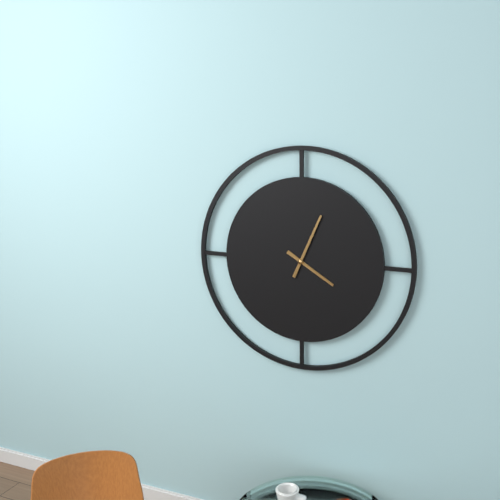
4:04
